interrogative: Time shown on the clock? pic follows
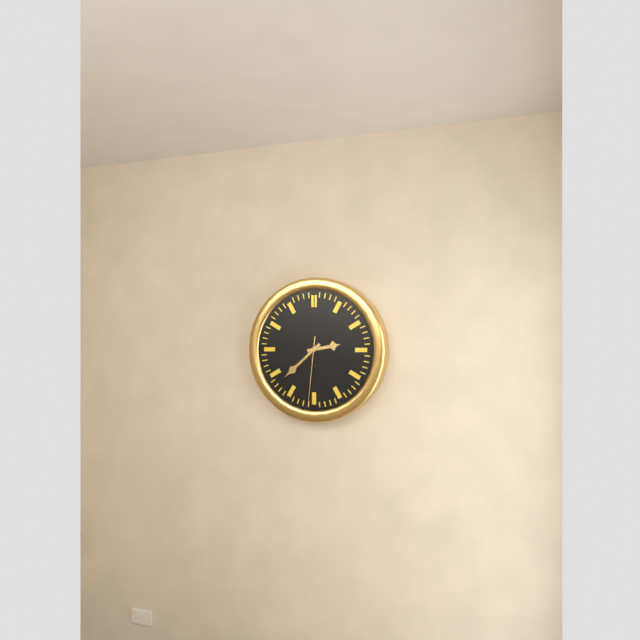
2:38:31
